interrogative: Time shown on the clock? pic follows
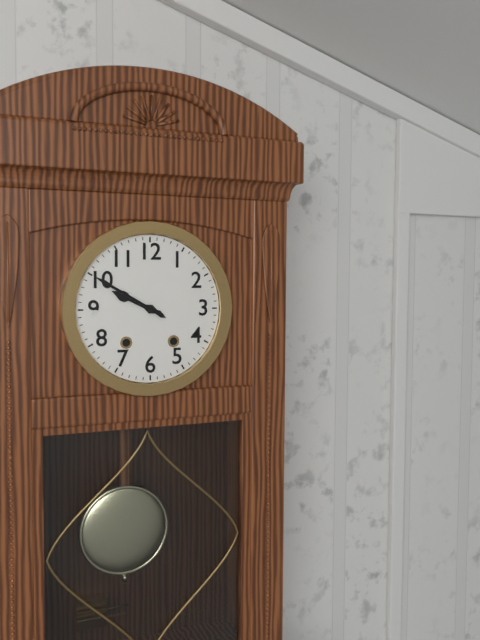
9:50
